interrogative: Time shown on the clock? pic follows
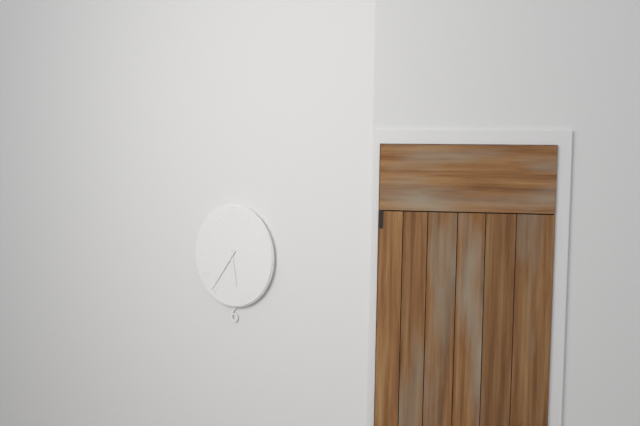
5:36
